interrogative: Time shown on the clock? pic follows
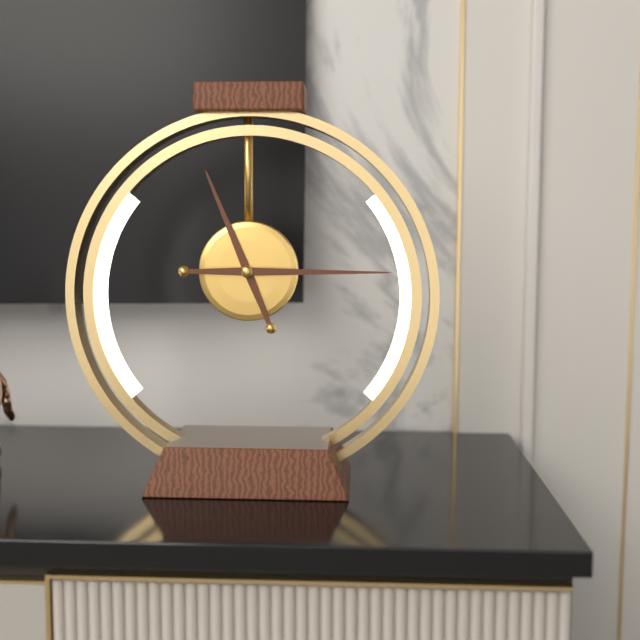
11:15
